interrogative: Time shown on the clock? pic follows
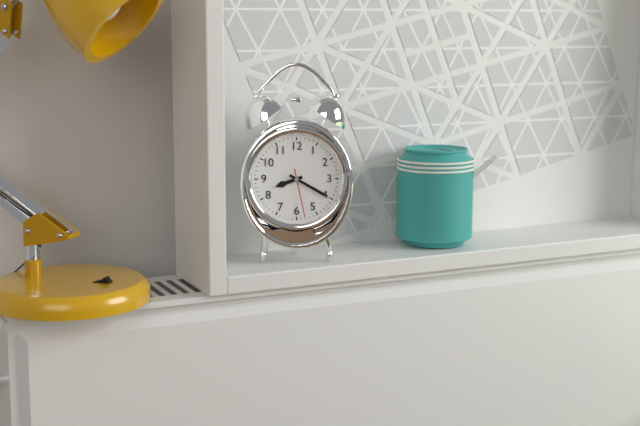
8:20
